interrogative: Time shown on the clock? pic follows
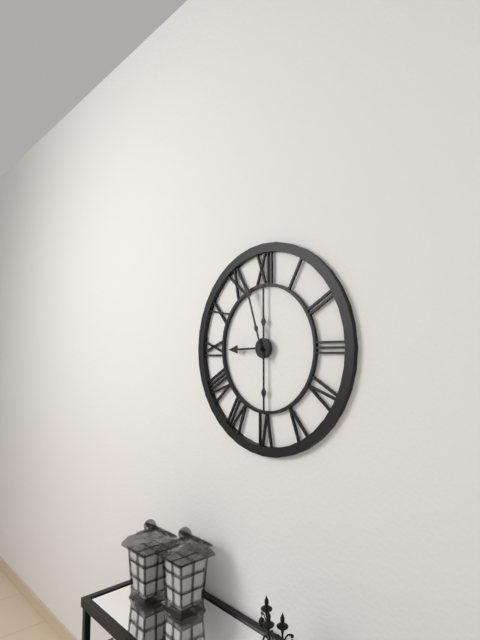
8:57
